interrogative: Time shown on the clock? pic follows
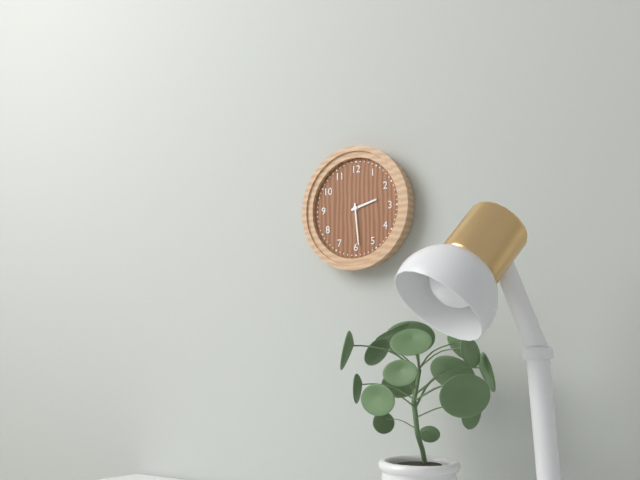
2:29
